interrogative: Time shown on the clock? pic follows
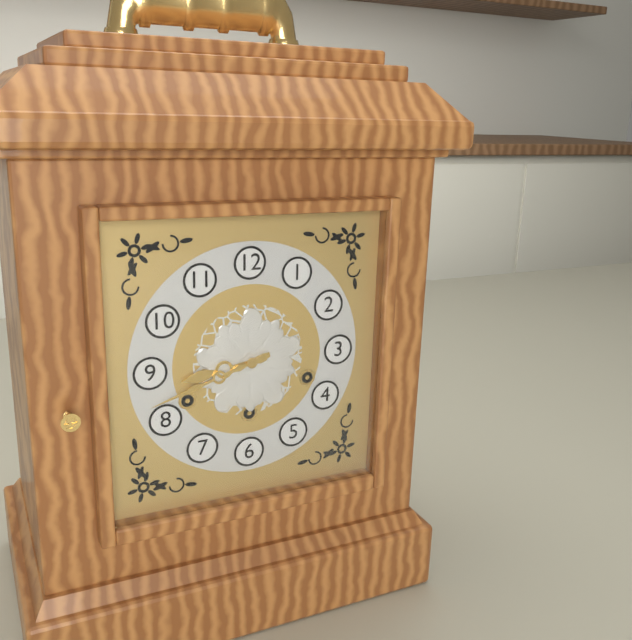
8:42
